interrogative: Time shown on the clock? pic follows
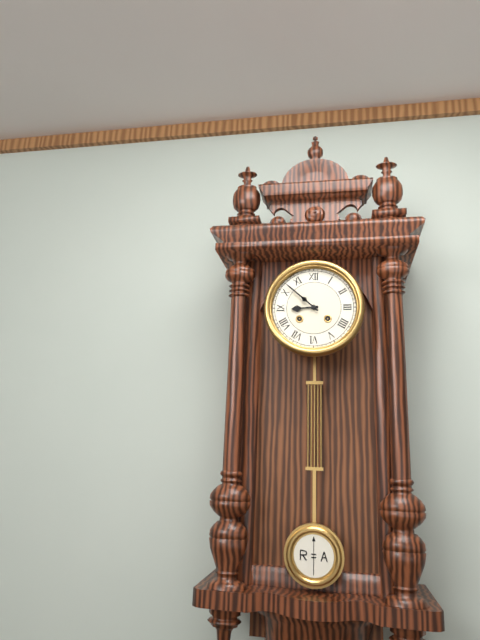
8:52
